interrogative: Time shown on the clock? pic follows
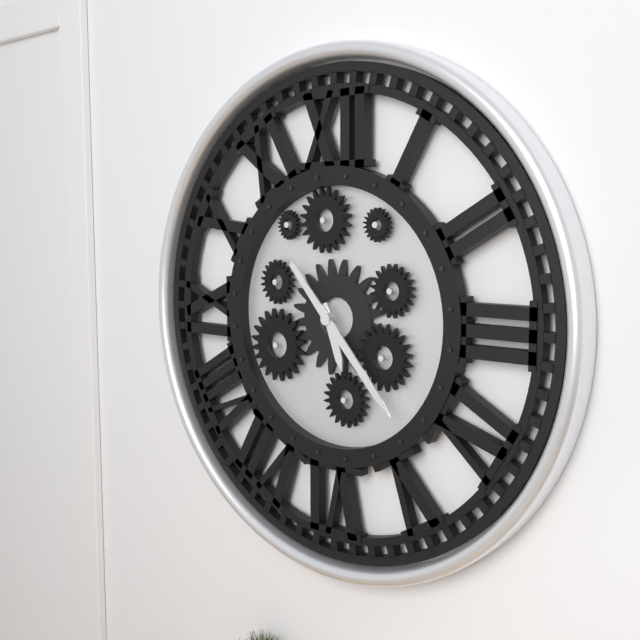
5:23
